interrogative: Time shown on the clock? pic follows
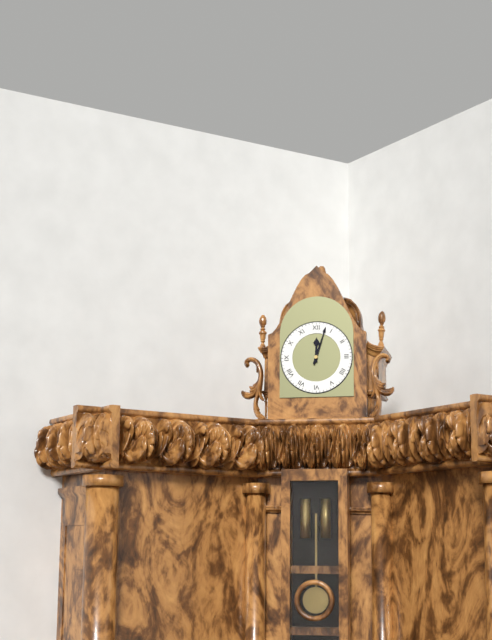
12:03
